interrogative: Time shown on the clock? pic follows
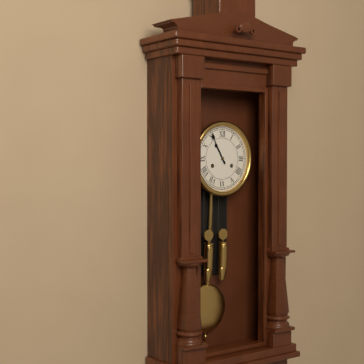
10:55
